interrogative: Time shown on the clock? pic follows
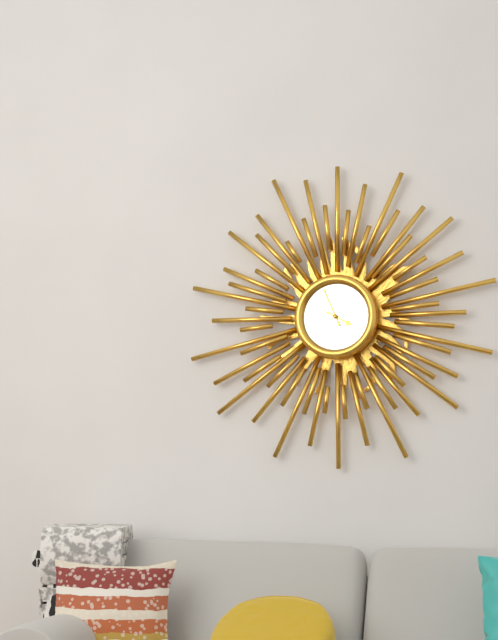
3:56
